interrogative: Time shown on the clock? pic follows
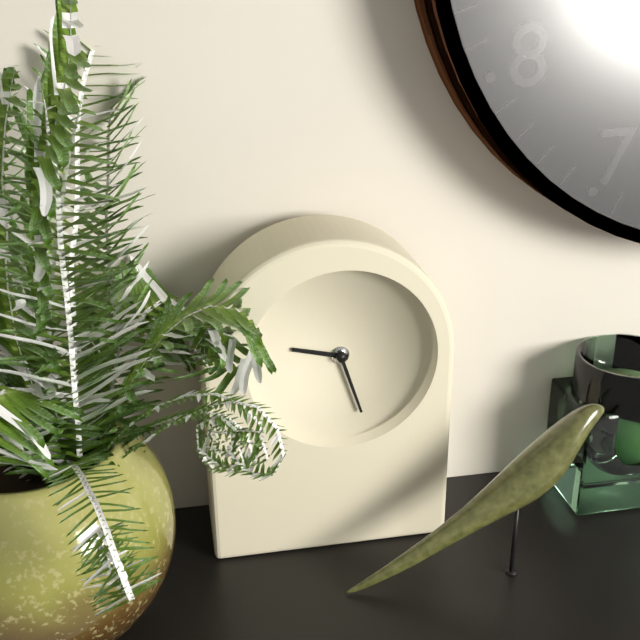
9:27
